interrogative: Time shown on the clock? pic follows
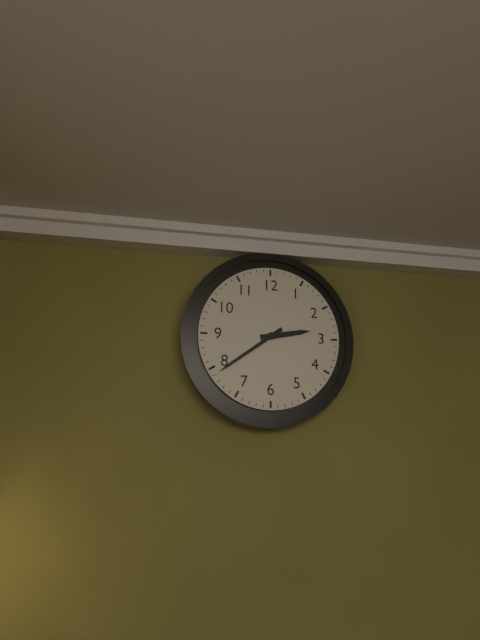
2:39
